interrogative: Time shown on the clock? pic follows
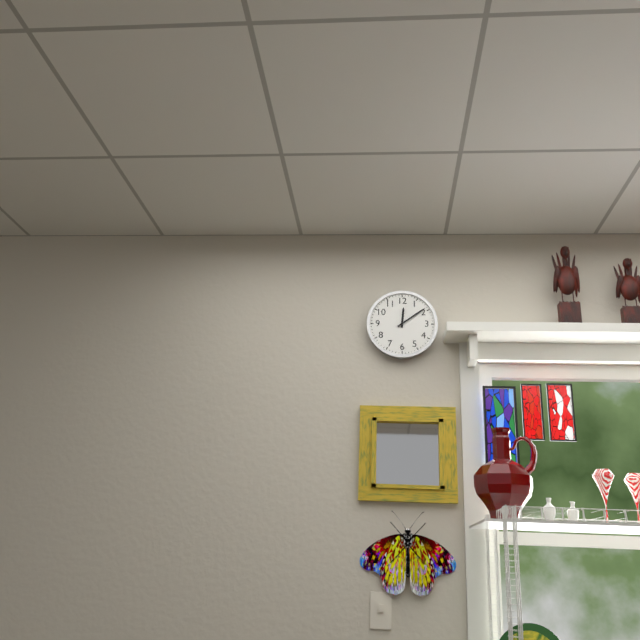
12:09
